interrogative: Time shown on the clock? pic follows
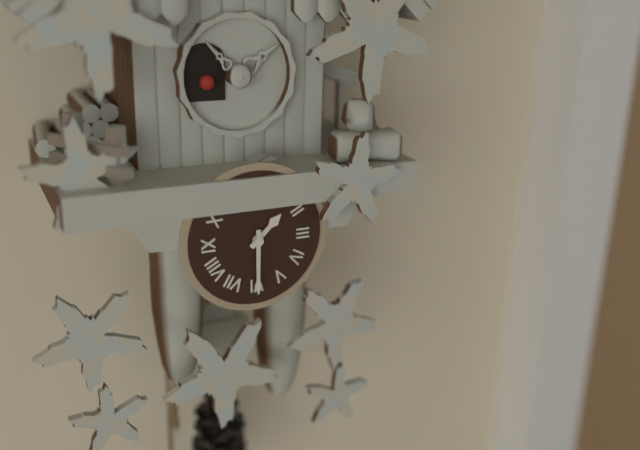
1:30
